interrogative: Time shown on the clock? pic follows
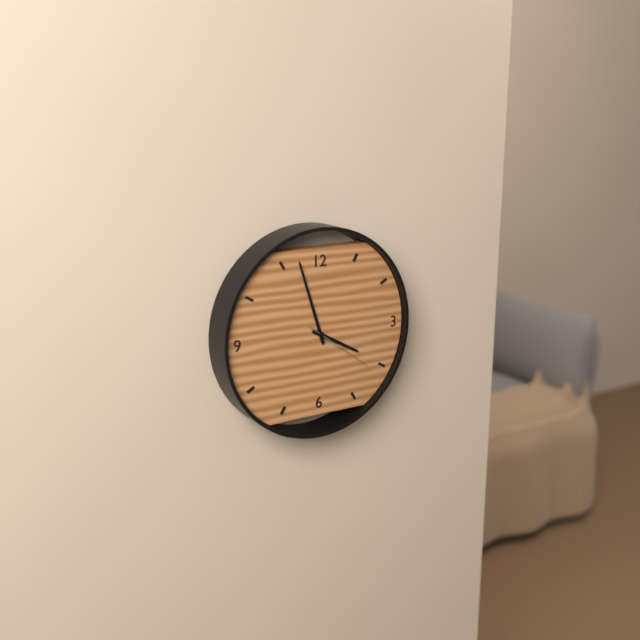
3:57:21
